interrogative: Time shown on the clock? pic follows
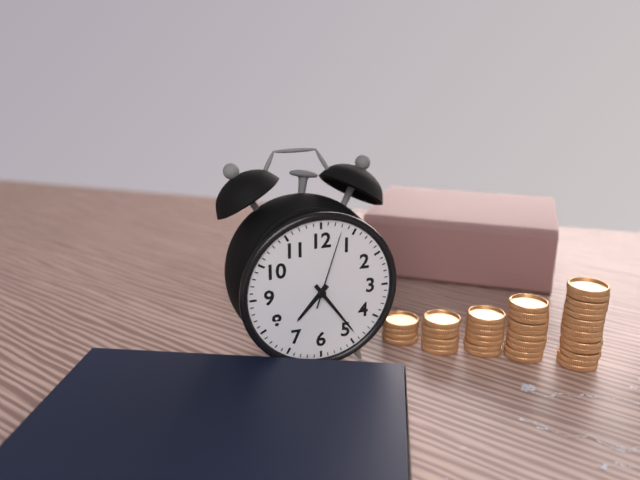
7:24:03
